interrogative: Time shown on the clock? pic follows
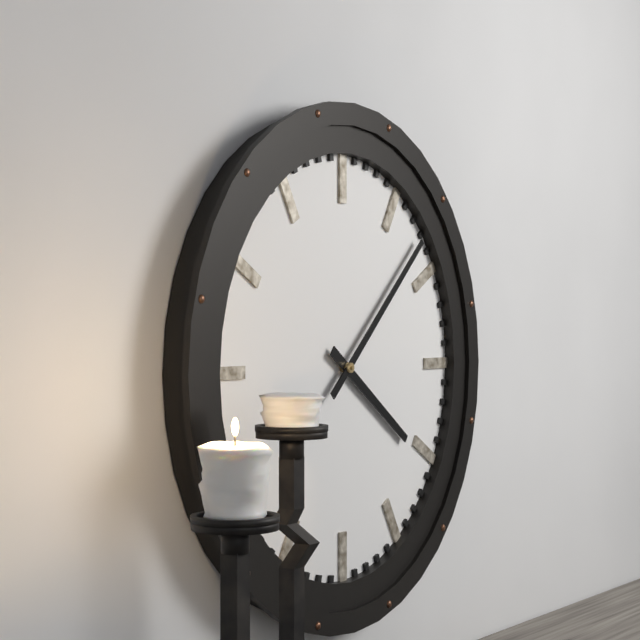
4:08
